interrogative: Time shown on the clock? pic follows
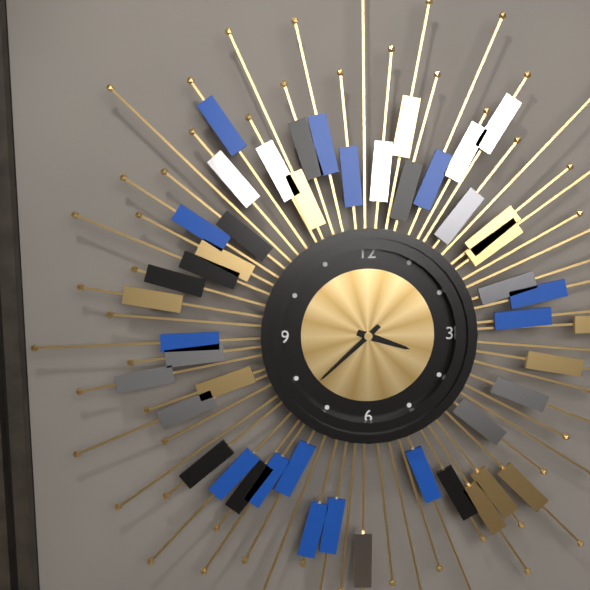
3:38
